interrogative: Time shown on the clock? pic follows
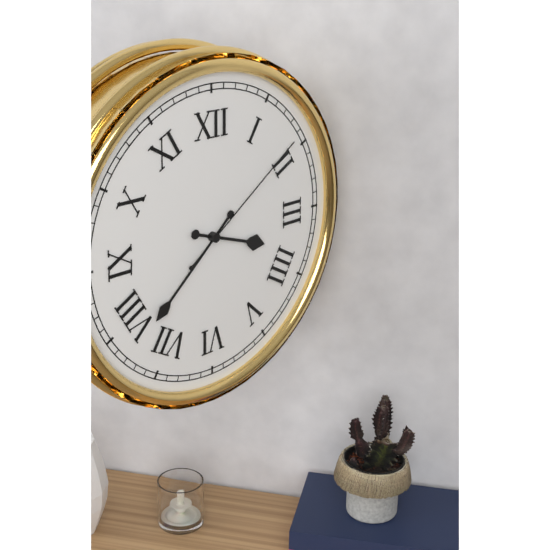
3:38:09
